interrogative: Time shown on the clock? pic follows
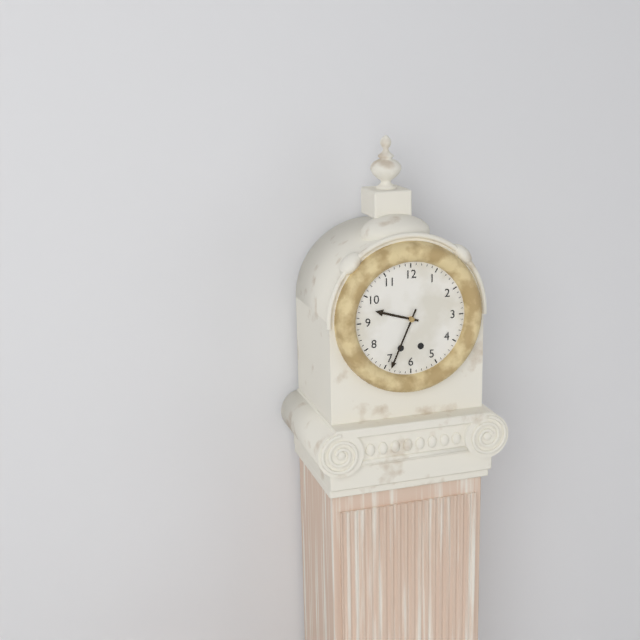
9:34
